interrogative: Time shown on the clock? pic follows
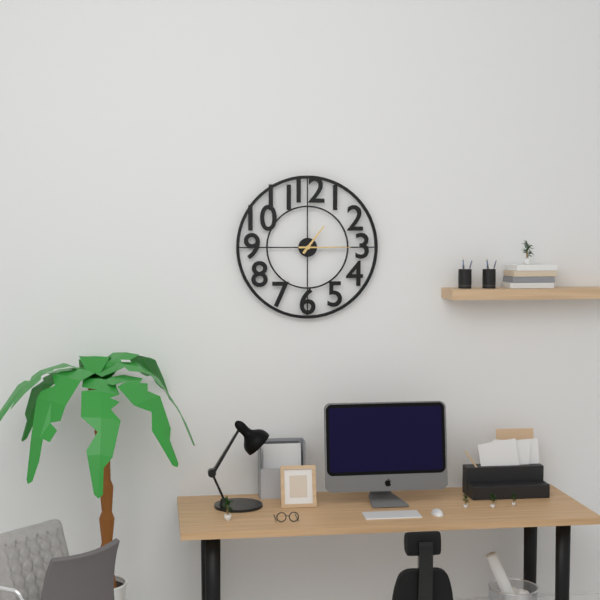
1:15
